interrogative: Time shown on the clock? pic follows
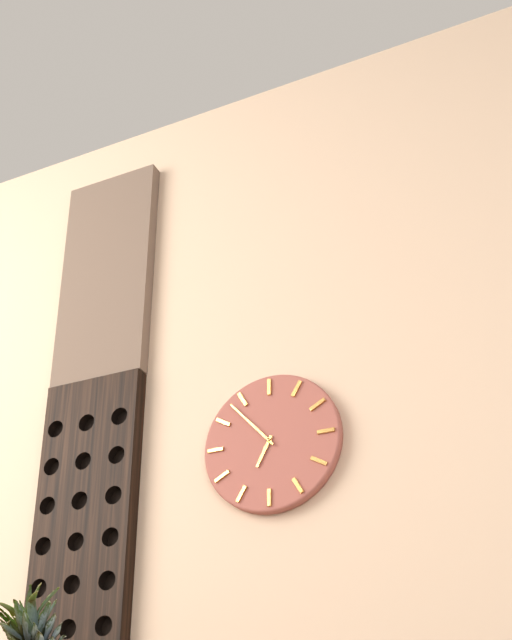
6:53
